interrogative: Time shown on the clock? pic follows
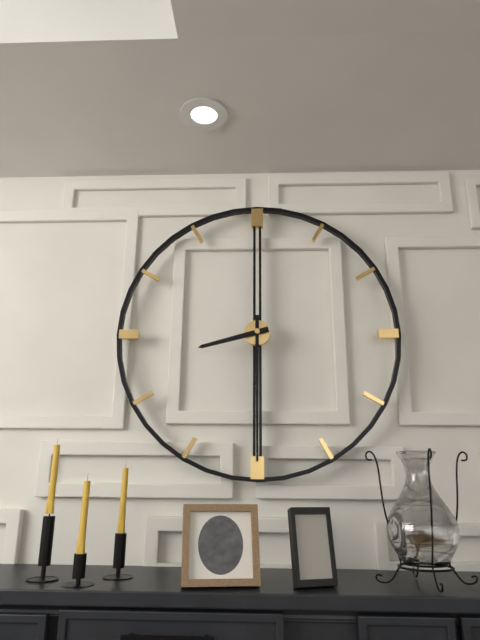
8:30
